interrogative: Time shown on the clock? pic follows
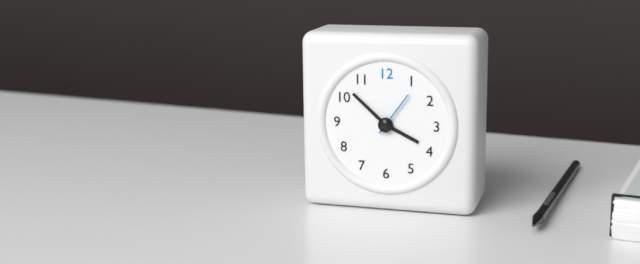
3:52
